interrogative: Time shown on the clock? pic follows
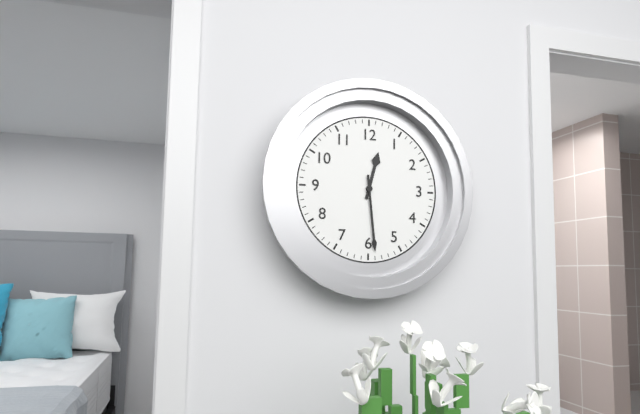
12:29
